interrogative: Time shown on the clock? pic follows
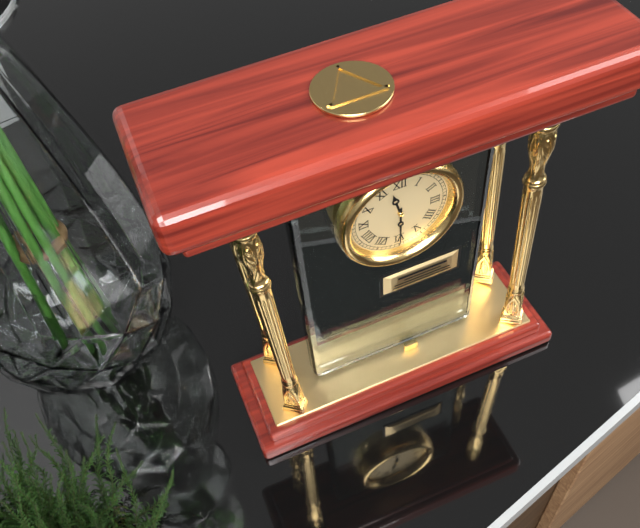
11:30
